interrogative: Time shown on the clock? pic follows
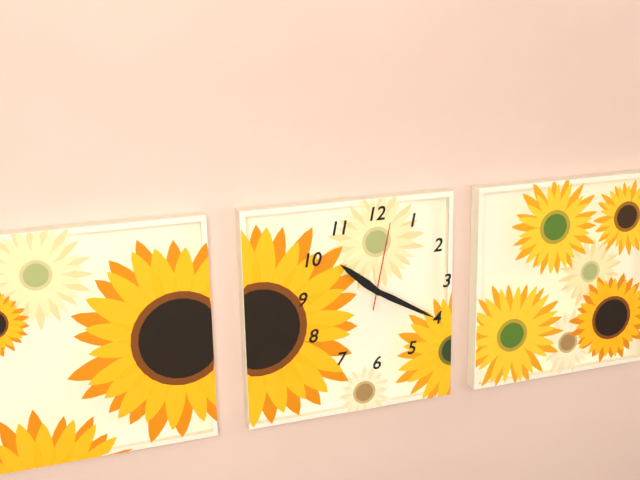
10:20:02
